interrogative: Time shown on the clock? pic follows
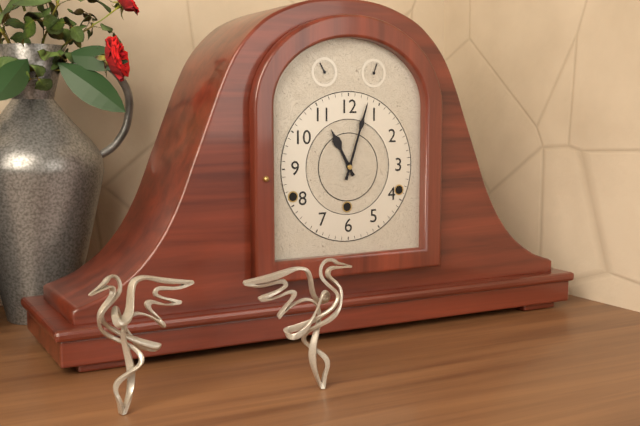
11:03
